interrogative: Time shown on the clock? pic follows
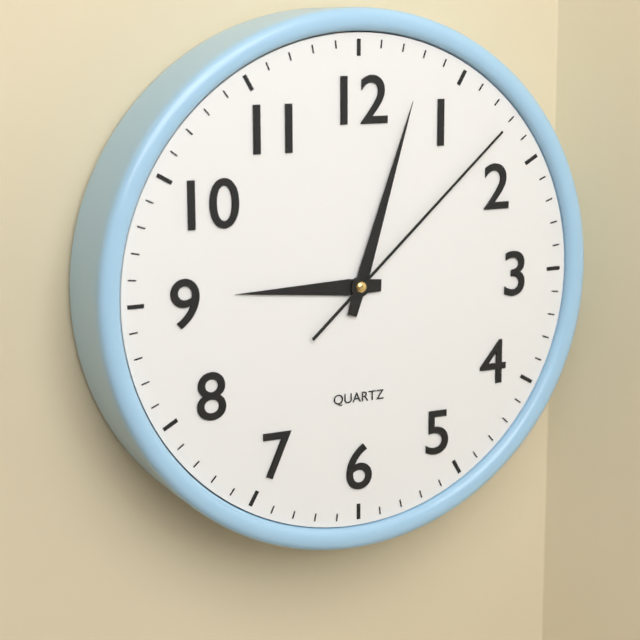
9:03:08
